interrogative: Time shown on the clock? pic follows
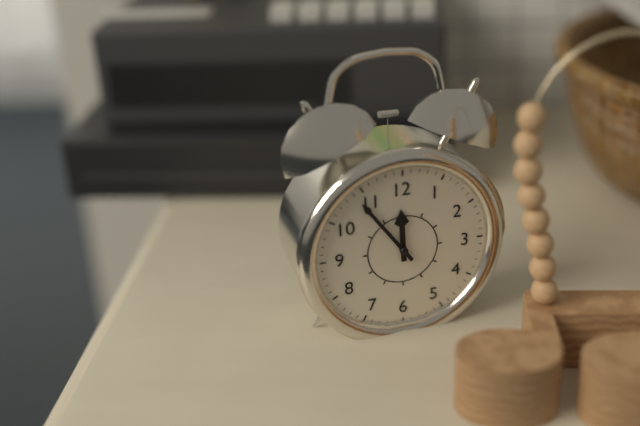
11:54
